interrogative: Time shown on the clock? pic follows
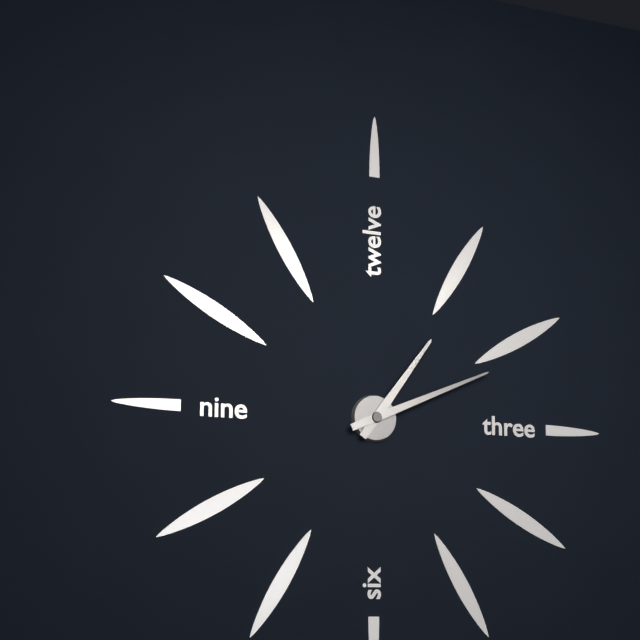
1:11
